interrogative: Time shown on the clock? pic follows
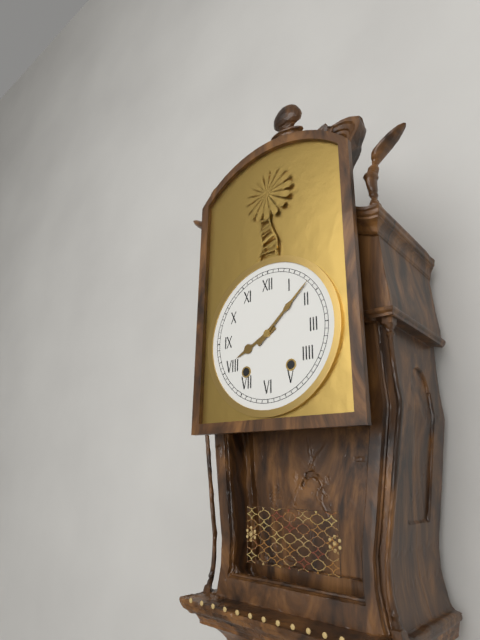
8:08
